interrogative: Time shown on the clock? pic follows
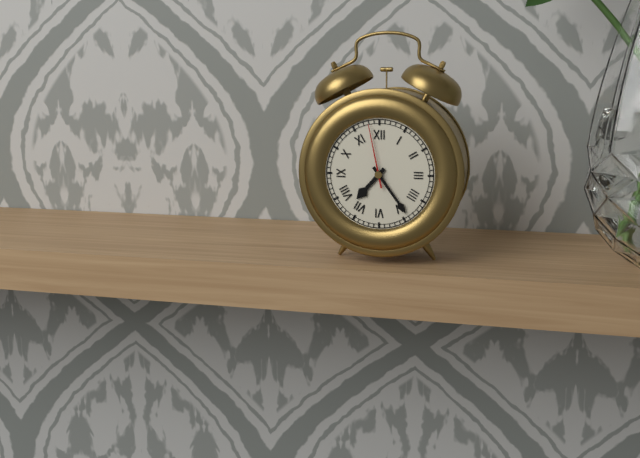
7:24:58
